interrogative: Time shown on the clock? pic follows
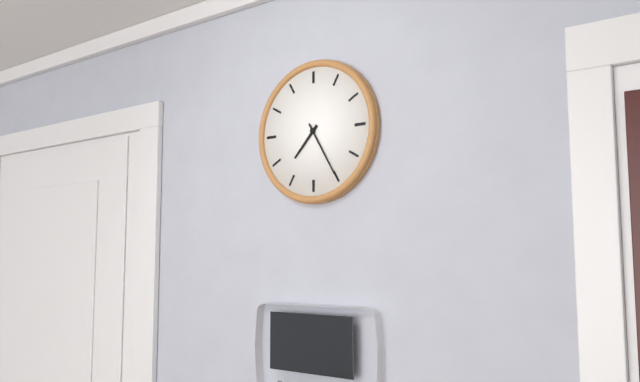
7:25
